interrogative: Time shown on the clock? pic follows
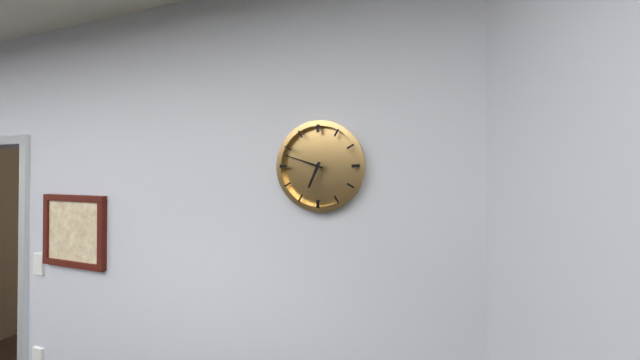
6:48
